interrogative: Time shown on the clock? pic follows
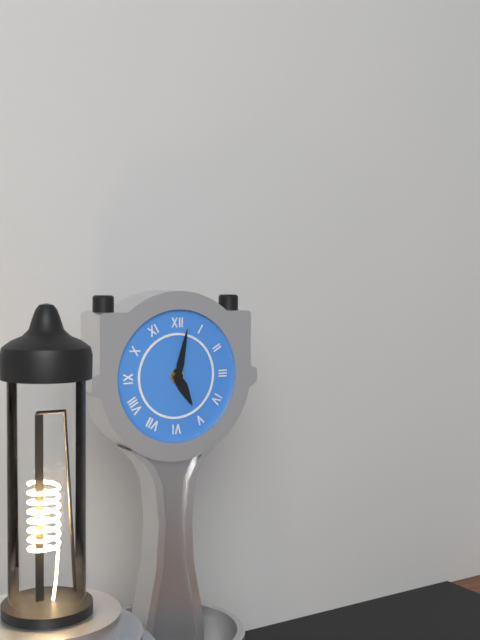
5:02
